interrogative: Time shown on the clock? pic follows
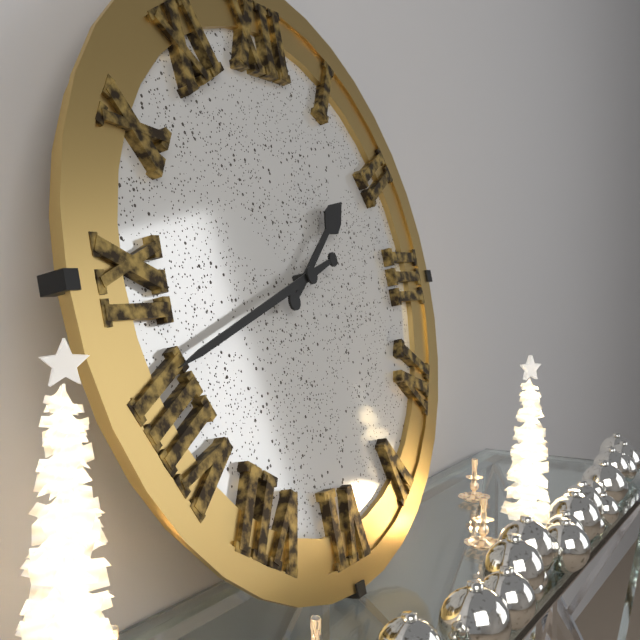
1:42
